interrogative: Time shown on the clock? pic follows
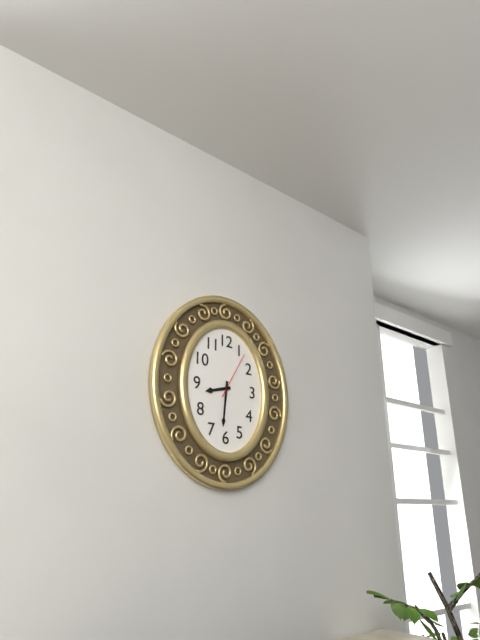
8:31
